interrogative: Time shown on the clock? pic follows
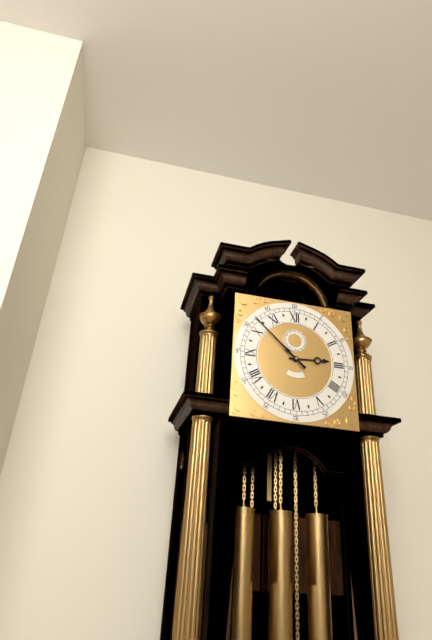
2:52
